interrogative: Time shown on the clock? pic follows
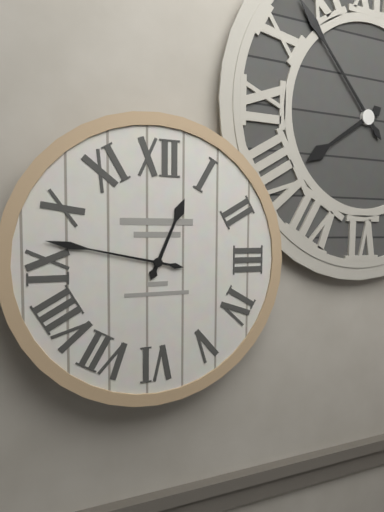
12:47
